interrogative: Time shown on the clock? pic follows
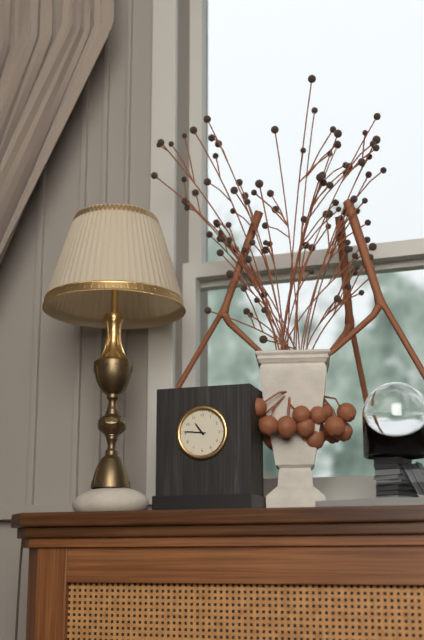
10:46
